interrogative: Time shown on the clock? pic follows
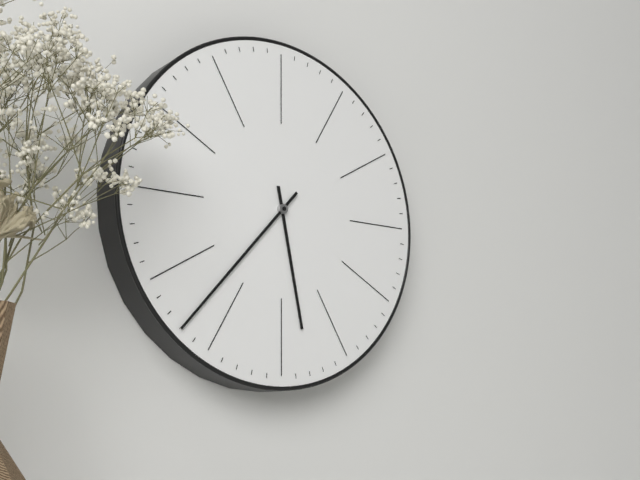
5:37
